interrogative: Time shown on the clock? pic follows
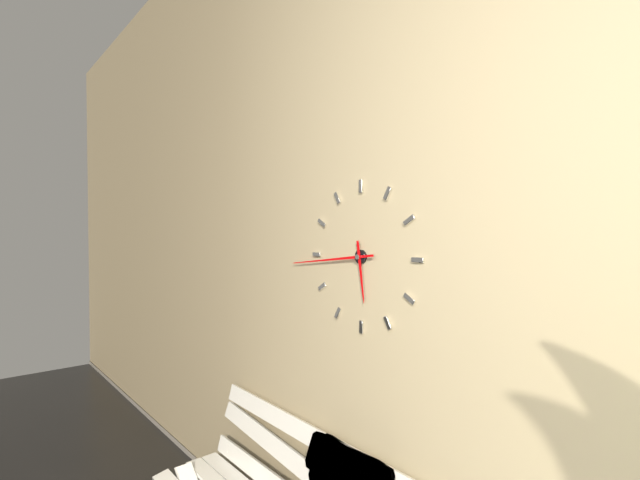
5:44
